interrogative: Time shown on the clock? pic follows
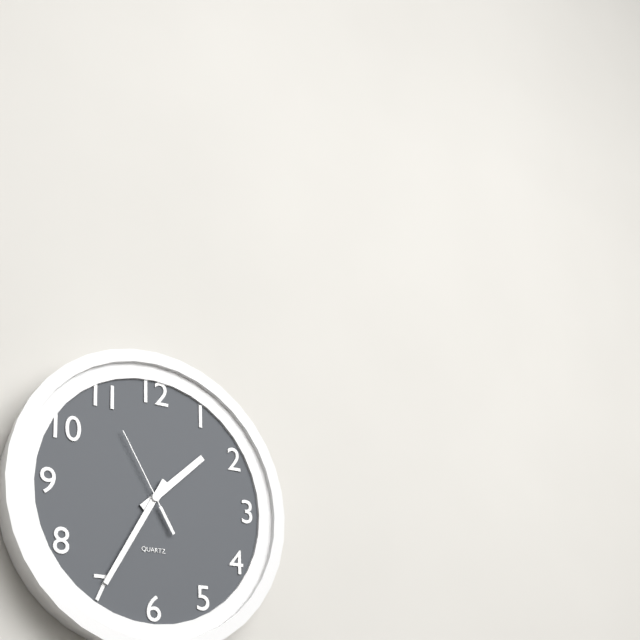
1:35:55
